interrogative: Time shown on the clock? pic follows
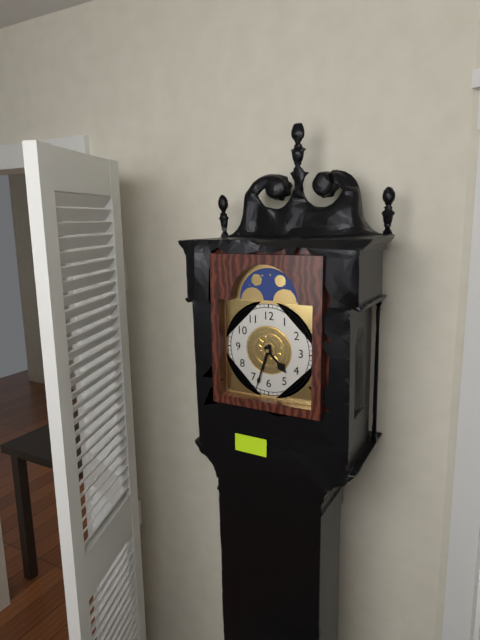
4:33
